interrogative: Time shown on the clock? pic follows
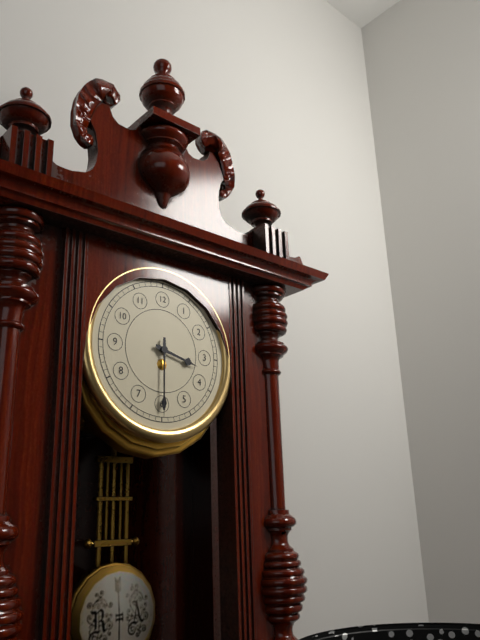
3:30
